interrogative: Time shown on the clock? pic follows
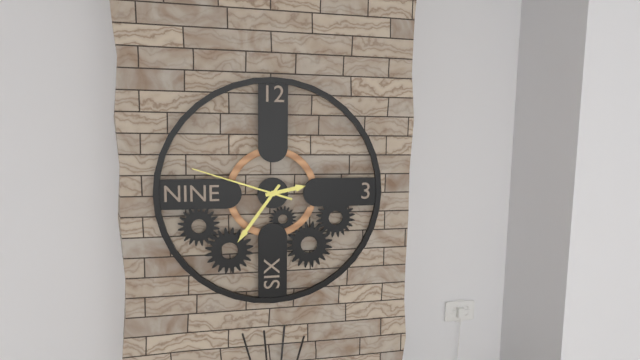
2:36:48
